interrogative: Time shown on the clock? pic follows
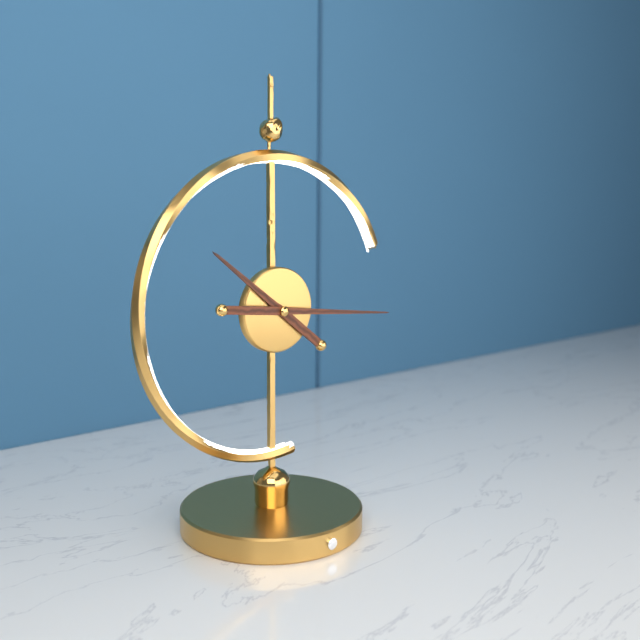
10:16
